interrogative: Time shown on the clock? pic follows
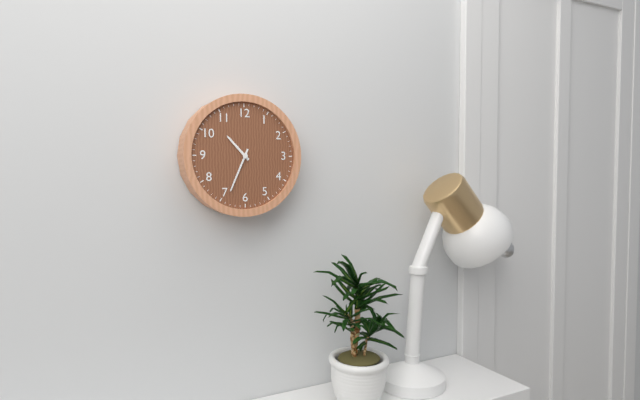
10:34
